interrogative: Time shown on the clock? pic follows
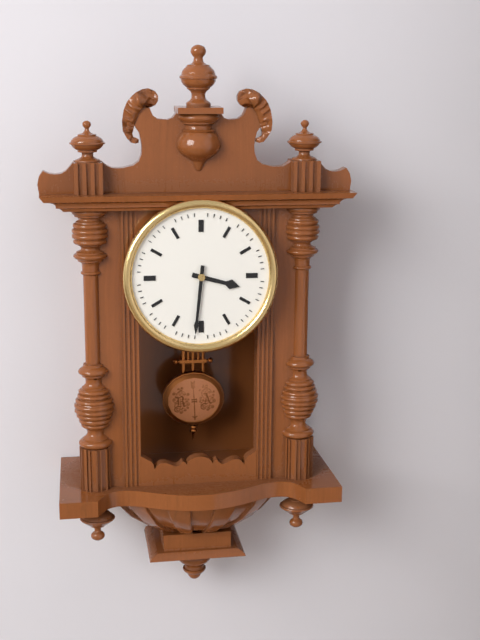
3:31
